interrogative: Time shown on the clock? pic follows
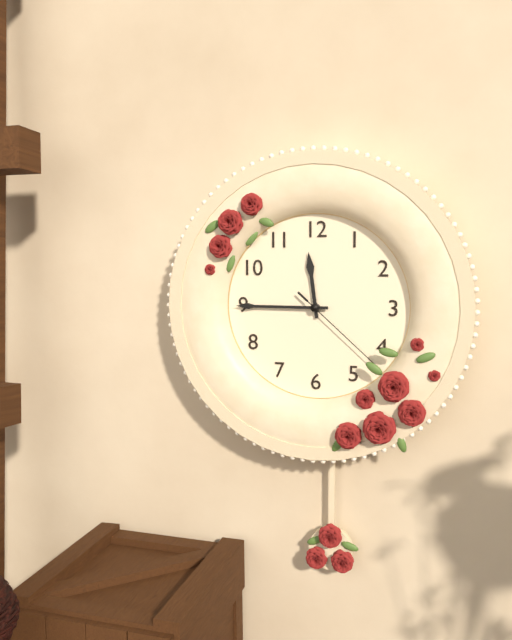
11:45:22
